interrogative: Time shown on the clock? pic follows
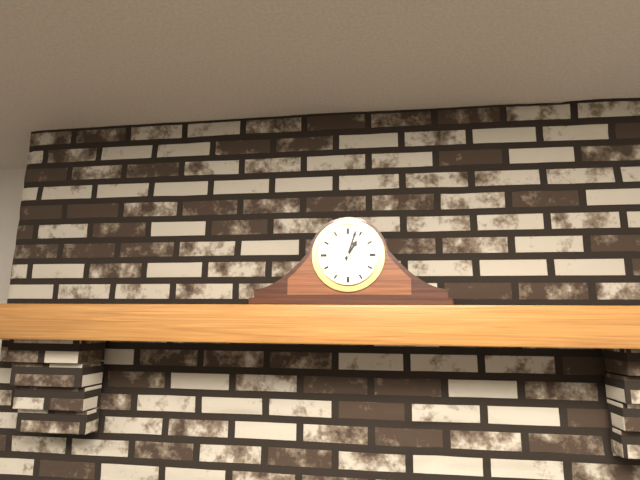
1:03
